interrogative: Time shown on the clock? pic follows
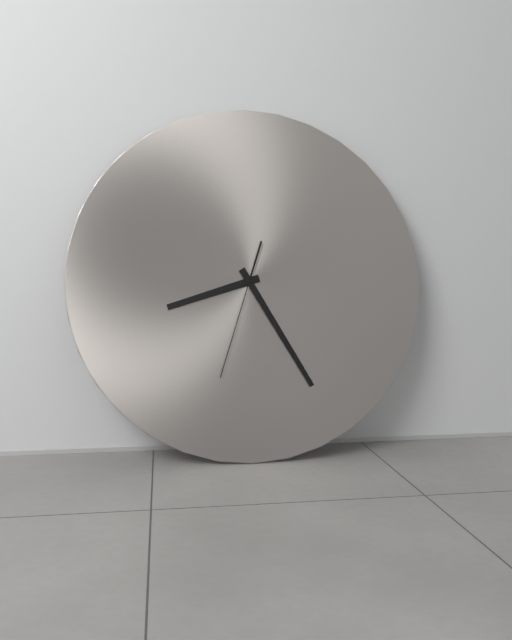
8:25:33
